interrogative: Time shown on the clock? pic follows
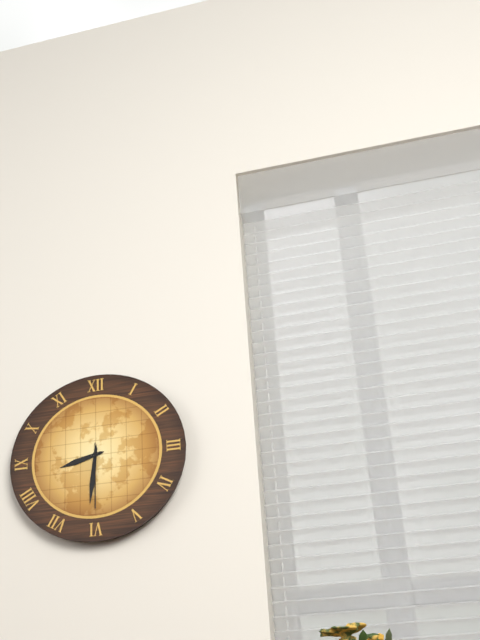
8:31:30
